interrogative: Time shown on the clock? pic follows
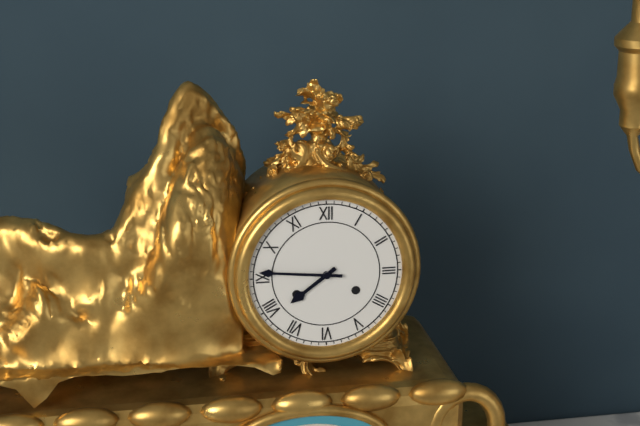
7:46
